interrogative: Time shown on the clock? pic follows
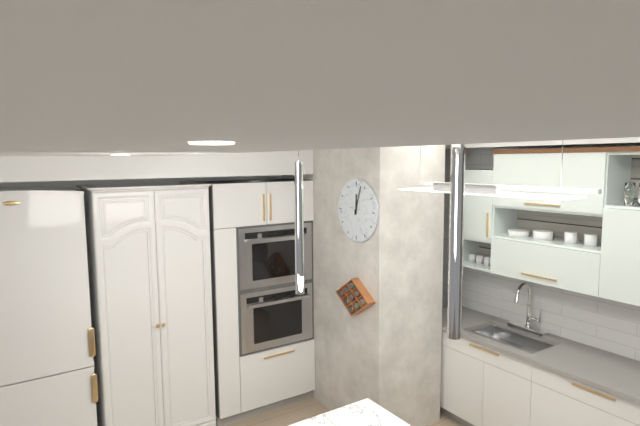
12:03
